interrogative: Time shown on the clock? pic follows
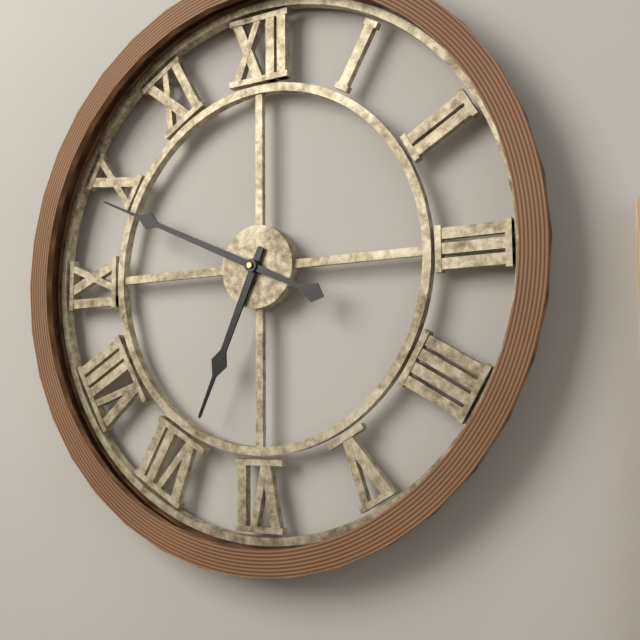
6:49
